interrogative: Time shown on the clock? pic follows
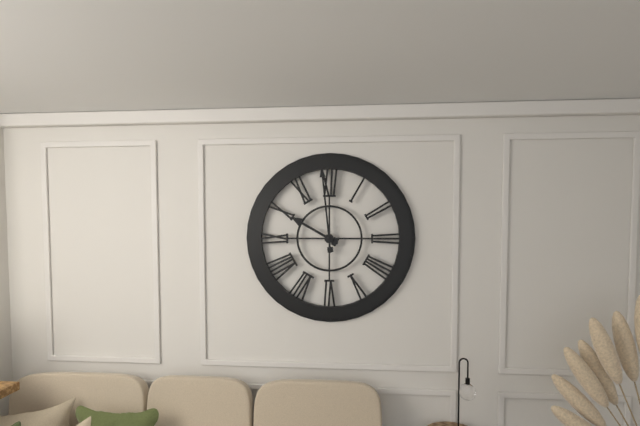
9:59
